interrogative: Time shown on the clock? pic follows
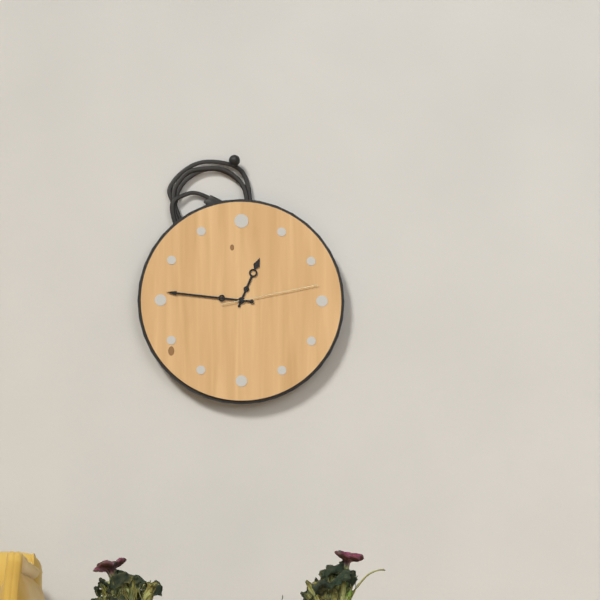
12:46:13
